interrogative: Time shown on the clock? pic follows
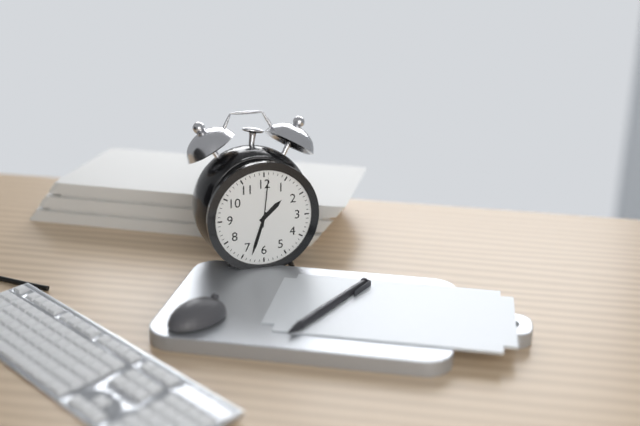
1:33:01
